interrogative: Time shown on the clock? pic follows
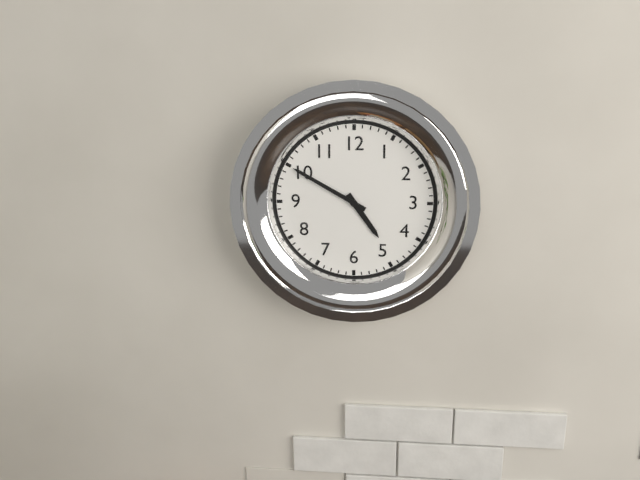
4:50
